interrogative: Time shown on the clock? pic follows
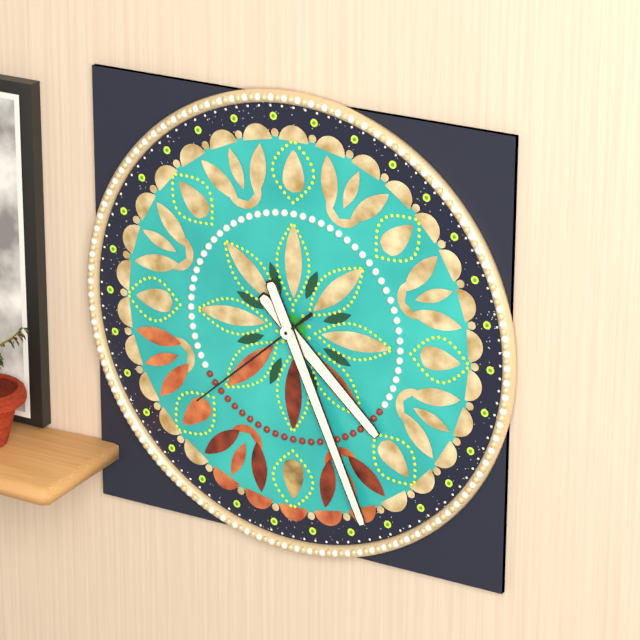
4:26:38
